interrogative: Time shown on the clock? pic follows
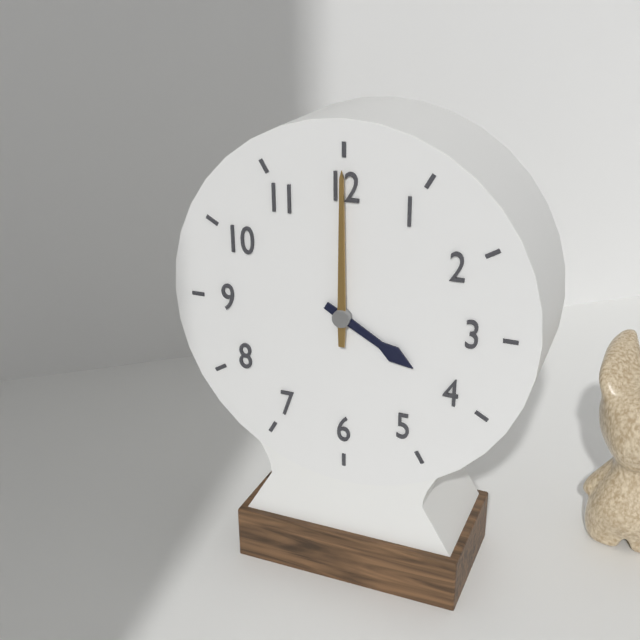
4:00
